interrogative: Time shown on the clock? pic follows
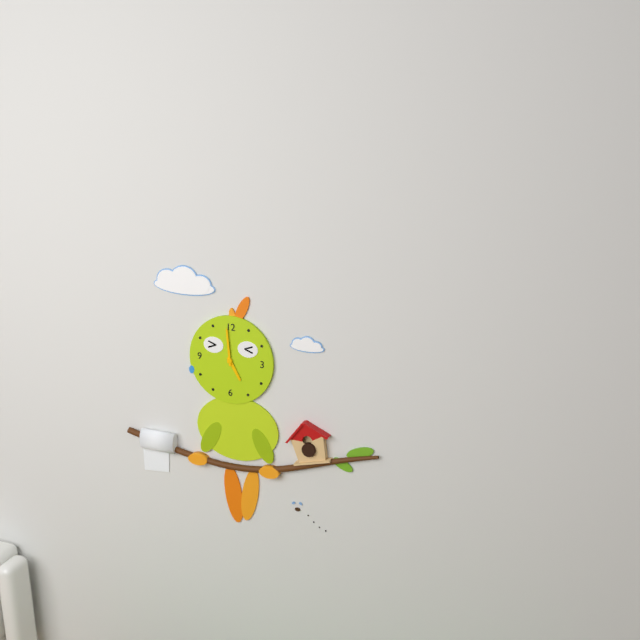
4:59
